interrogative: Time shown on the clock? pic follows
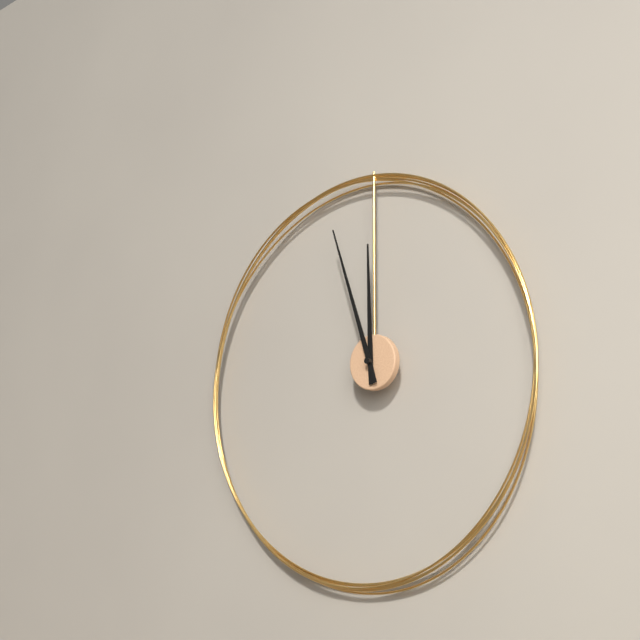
11:57
